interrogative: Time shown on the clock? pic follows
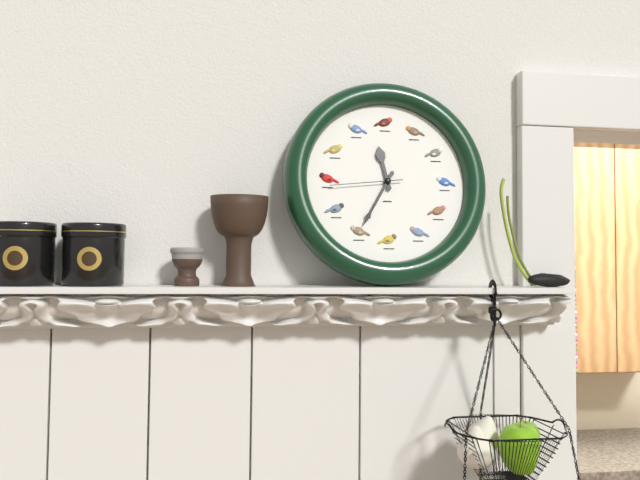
11:35:44
